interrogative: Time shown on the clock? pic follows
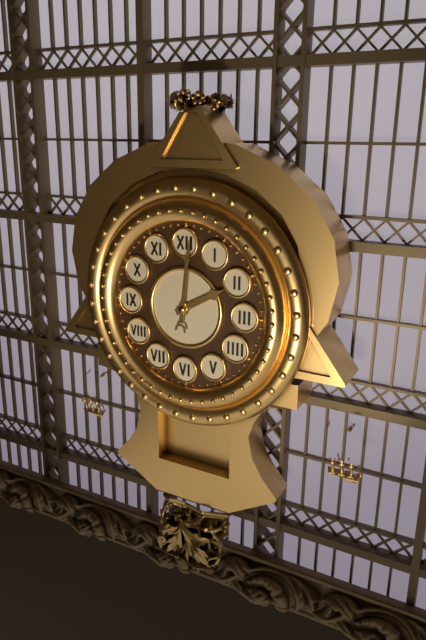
2:01
